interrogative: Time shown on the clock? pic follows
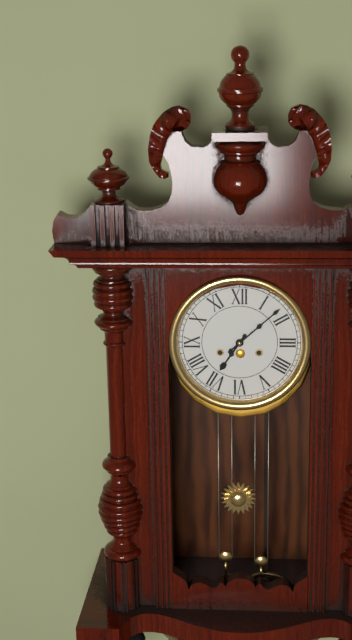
7:08
